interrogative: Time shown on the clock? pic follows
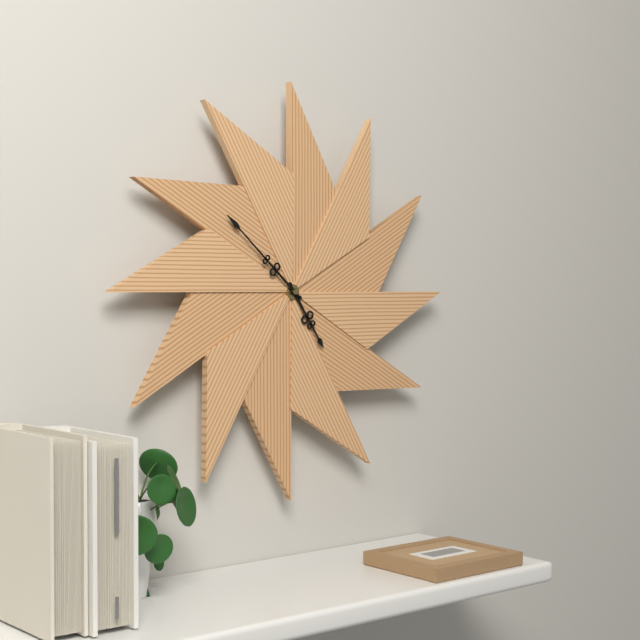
4:52
